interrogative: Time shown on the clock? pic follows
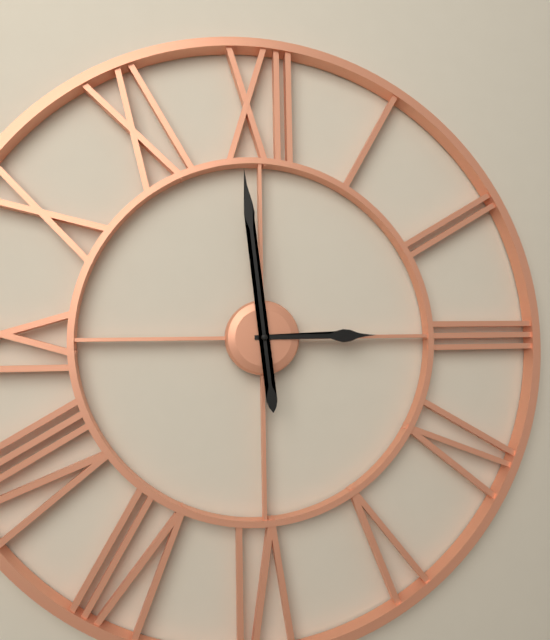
2:59
